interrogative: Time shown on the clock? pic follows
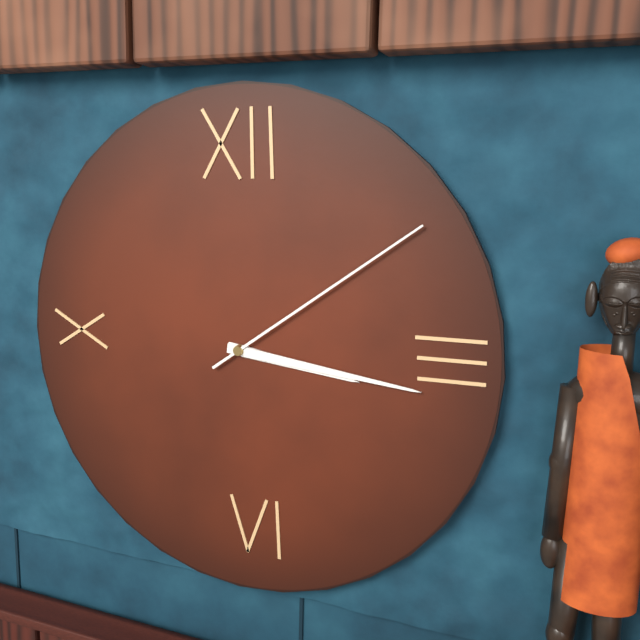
3:16:09
